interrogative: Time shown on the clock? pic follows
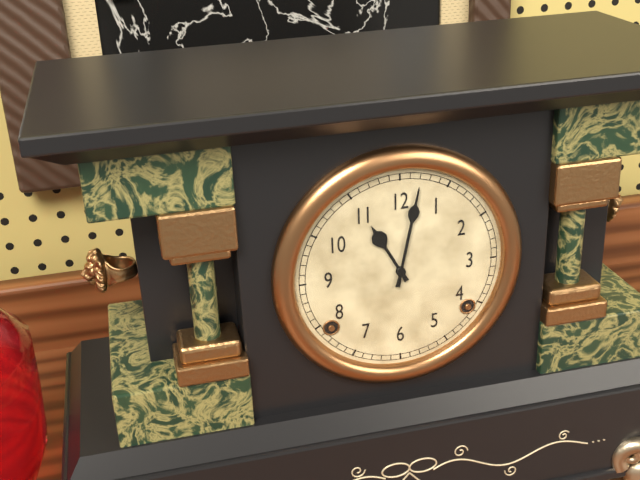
11:02
